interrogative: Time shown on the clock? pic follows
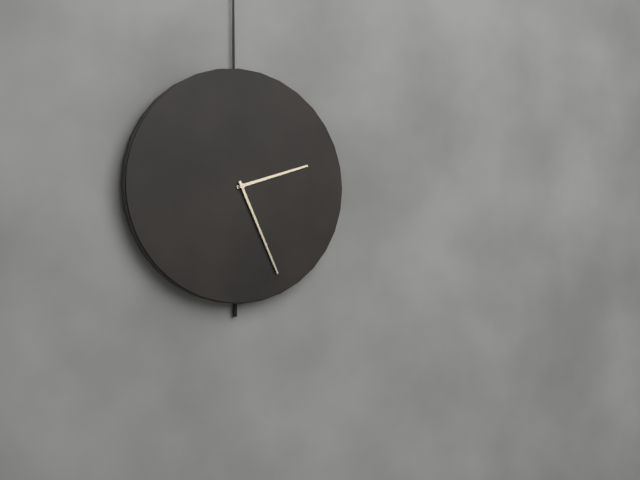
2:26
